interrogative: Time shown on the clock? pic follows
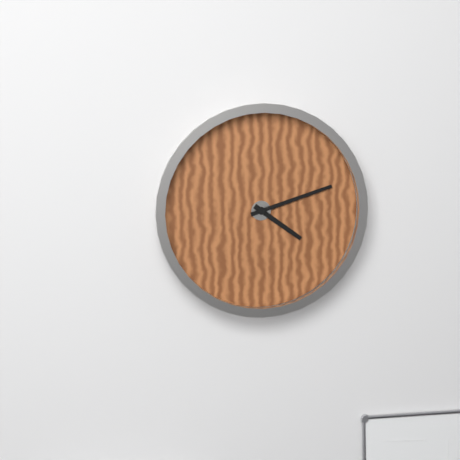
4:12
